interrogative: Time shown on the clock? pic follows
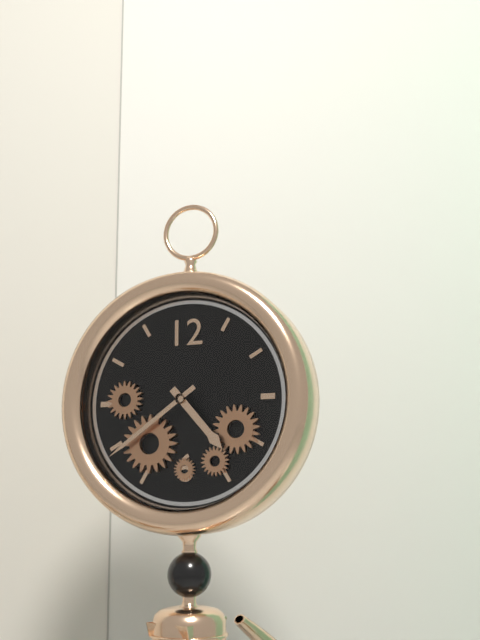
4:39
